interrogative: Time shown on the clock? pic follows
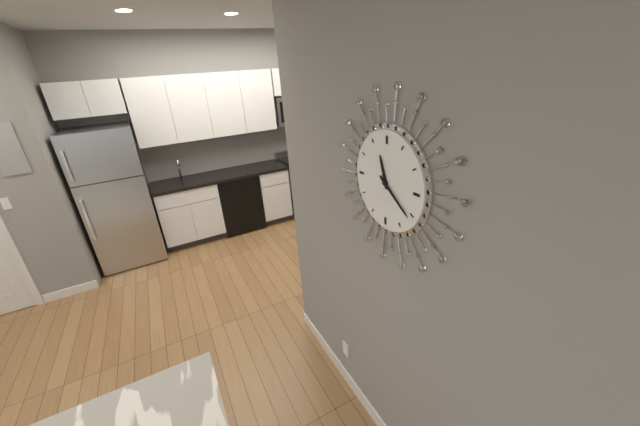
11:21
